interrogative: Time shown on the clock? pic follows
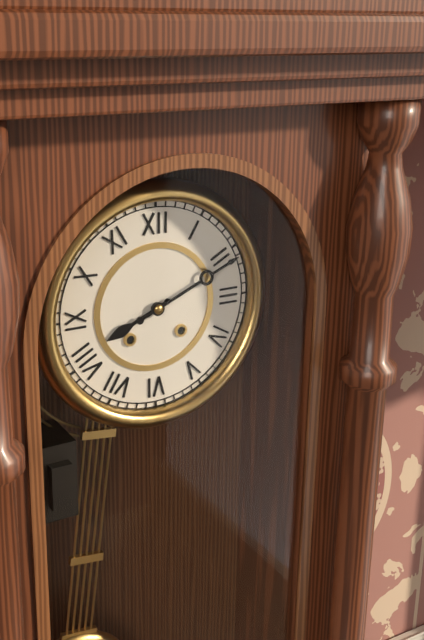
8:11
